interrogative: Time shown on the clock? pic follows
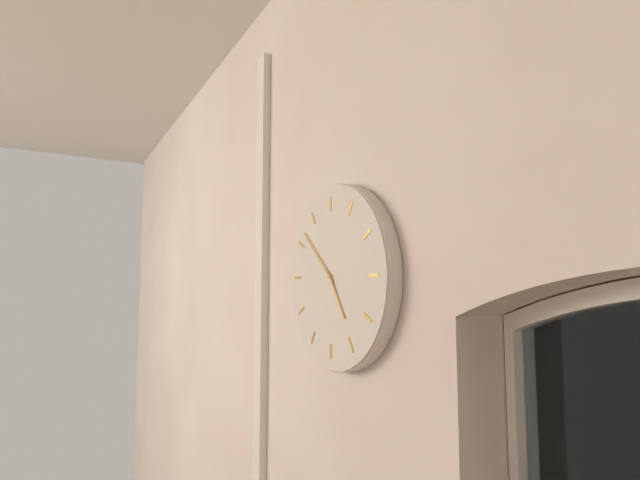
4:52
